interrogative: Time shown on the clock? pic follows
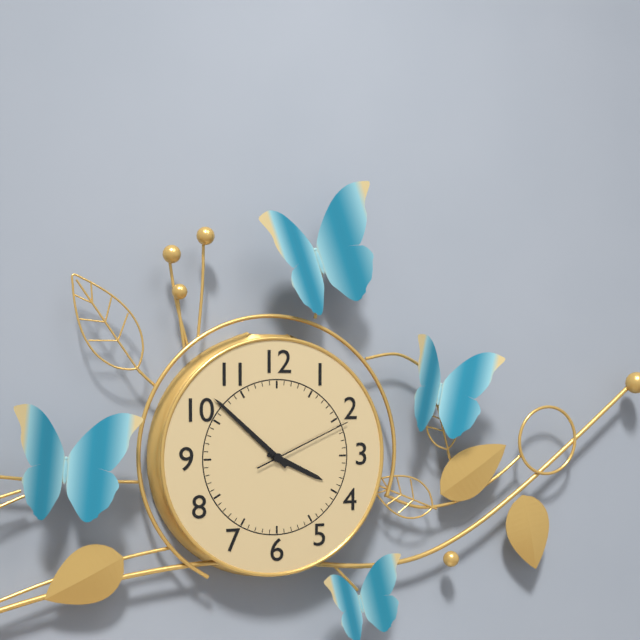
3:52:11
